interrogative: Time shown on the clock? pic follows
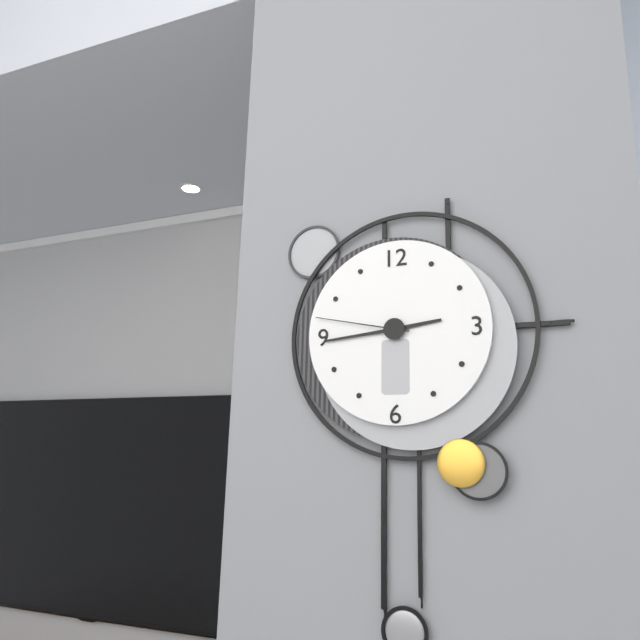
2:44:47
